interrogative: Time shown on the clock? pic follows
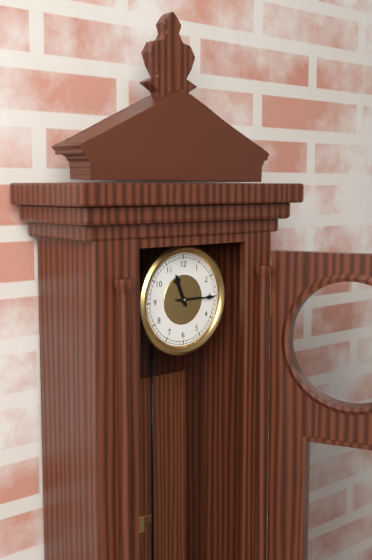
11:15
